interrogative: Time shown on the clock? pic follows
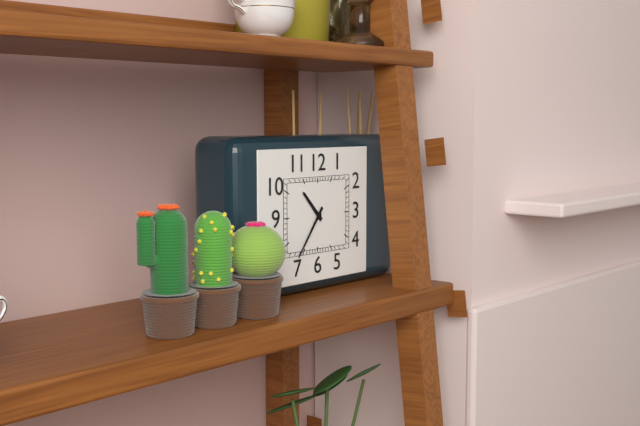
10:36
